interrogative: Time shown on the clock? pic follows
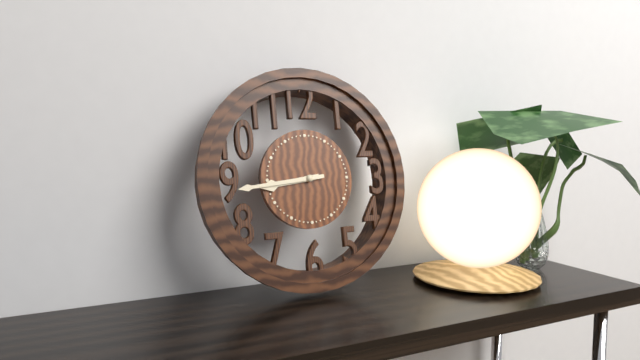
8:44
